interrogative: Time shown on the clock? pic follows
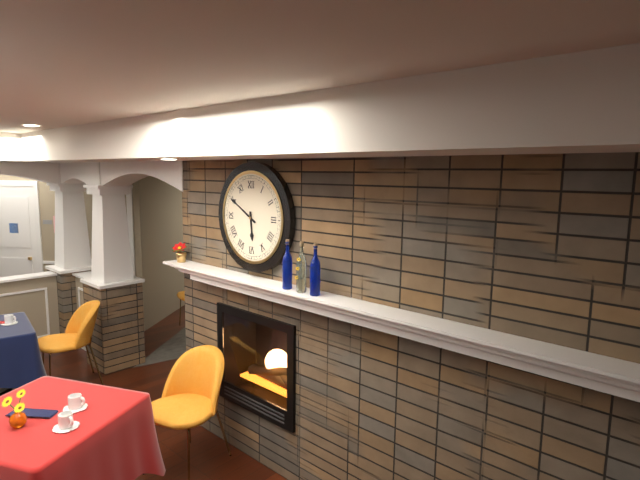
5:50
